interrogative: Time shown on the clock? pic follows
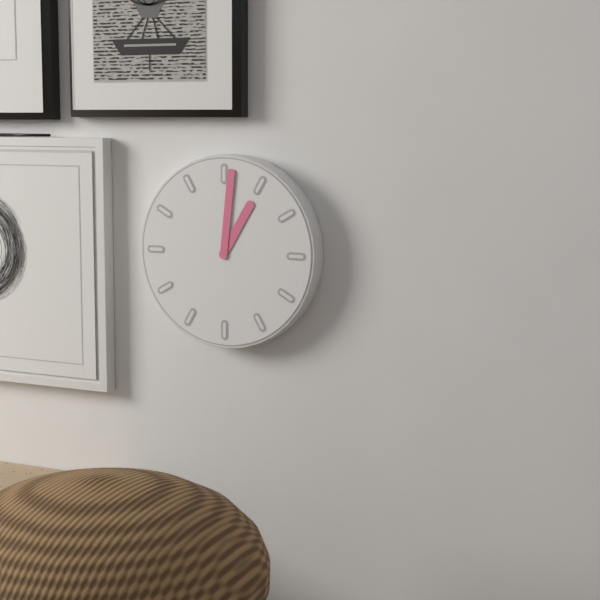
1:01
